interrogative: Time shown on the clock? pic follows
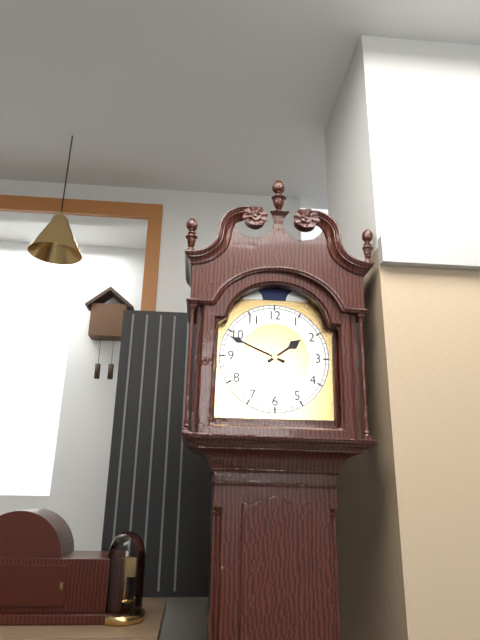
1:49
